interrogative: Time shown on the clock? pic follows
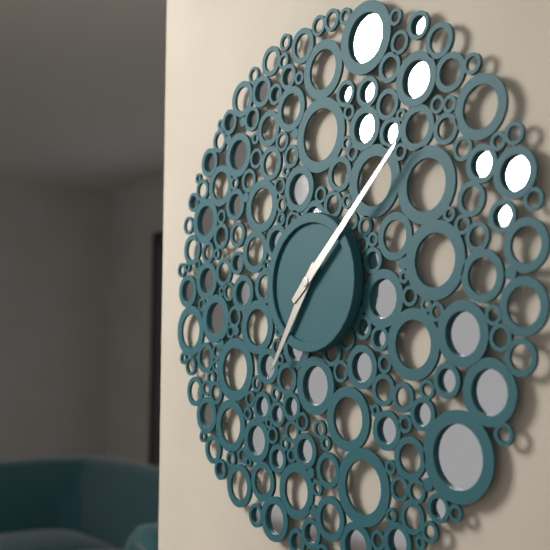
7:08
